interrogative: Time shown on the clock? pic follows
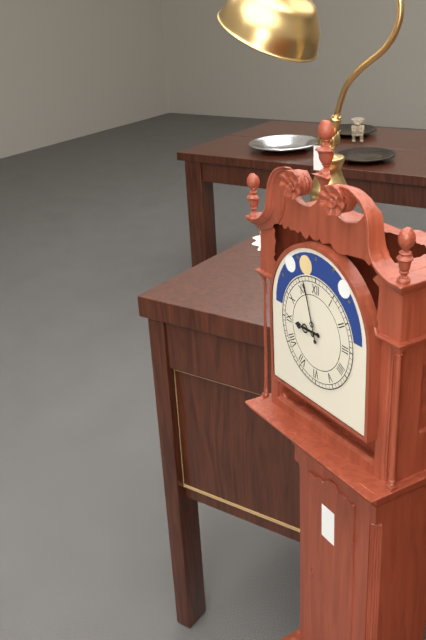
8:57
